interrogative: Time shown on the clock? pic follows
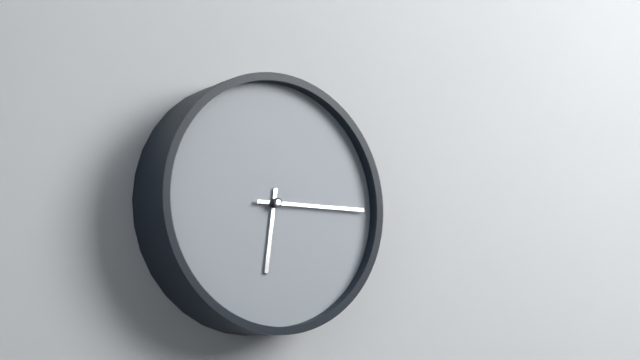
6:15
